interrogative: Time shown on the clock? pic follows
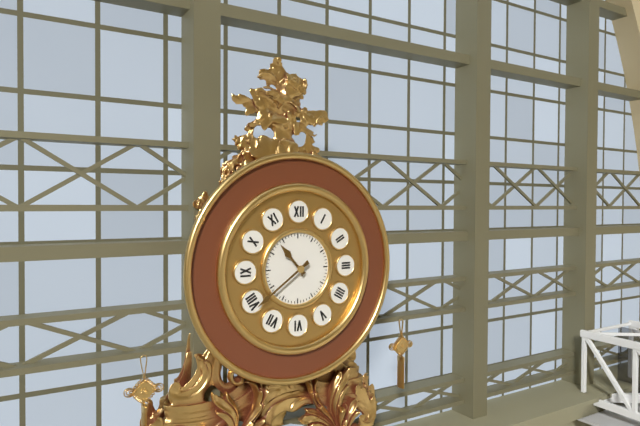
10:39
